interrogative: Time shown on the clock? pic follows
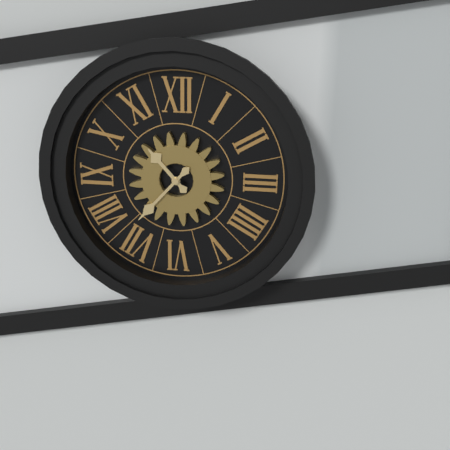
10:37
